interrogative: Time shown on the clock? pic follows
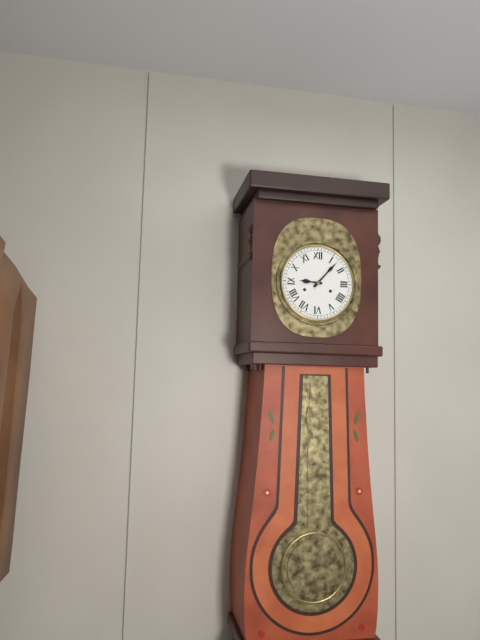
9:07
